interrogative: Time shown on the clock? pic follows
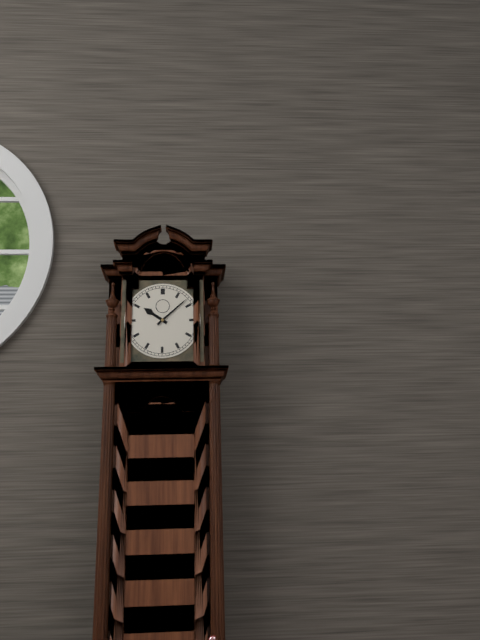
10:08
